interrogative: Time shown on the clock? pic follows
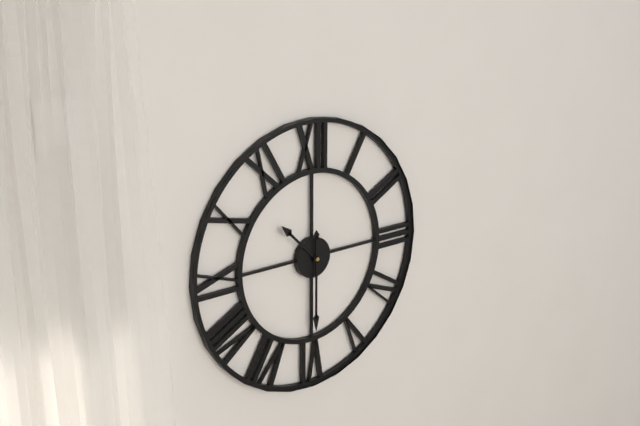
10:30
